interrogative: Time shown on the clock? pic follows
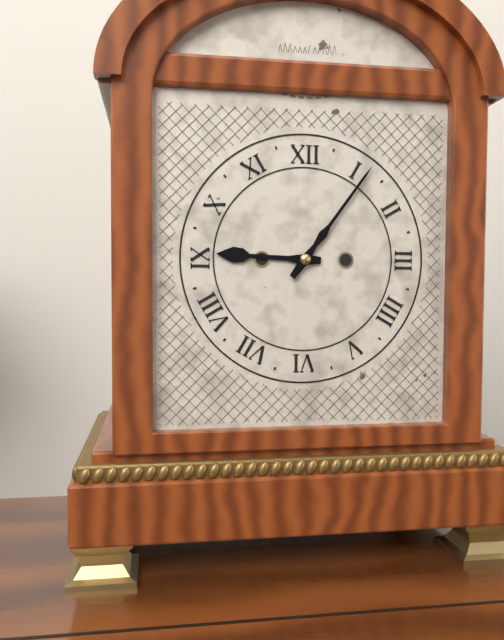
9:06
